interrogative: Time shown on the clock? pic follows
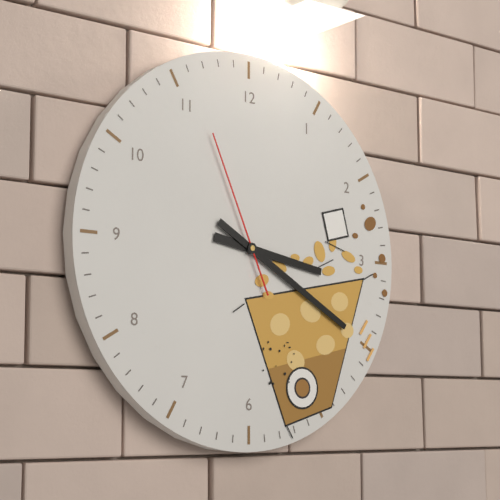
3:20:56
